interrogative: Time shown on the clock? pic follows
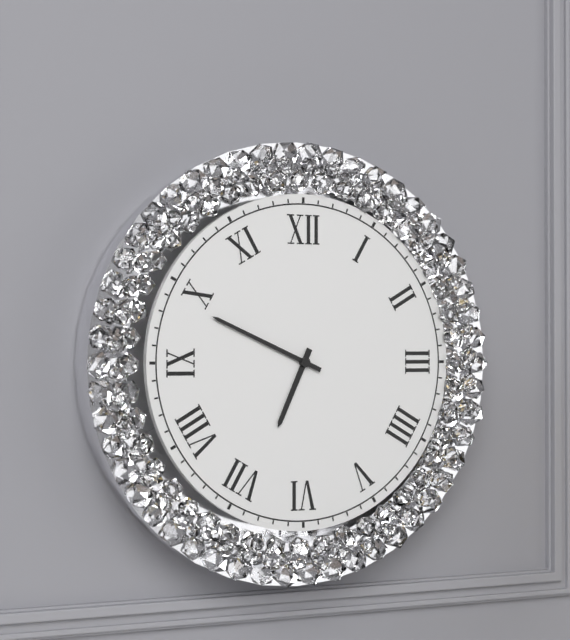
6:49
